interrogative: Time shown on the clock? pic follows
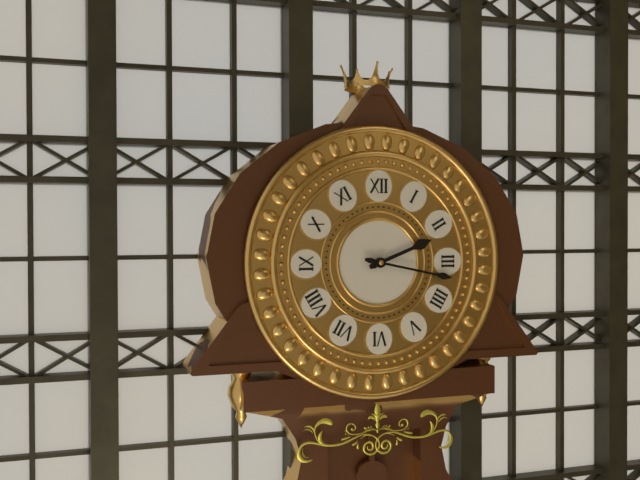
2:17
